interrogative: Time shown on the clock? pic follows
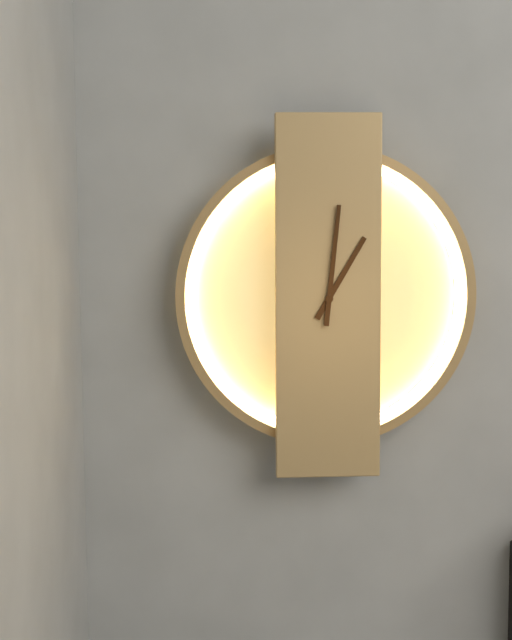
1:01
